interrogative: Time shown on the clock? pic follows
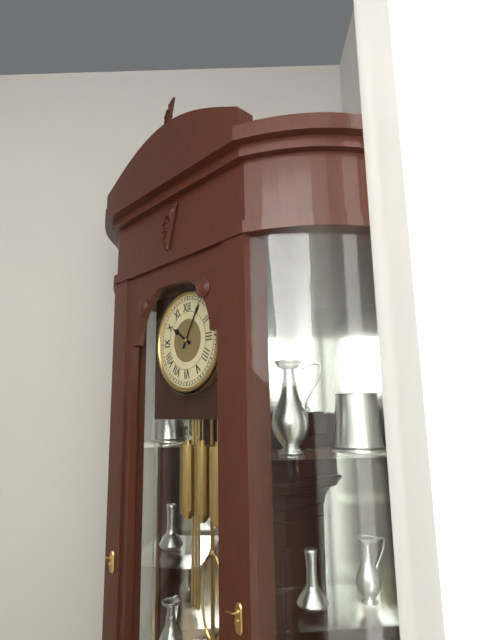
10:05
